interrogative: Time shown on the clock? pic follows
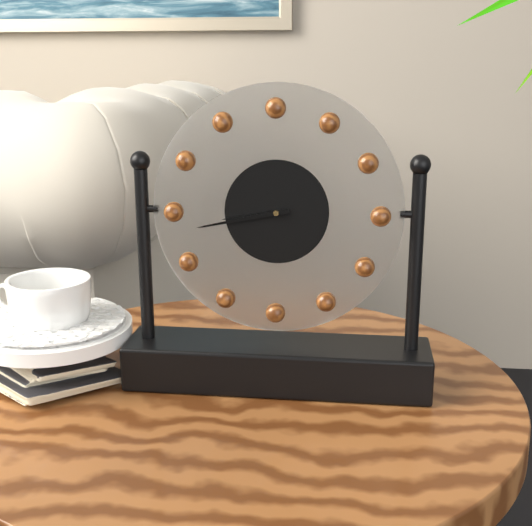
8:43
